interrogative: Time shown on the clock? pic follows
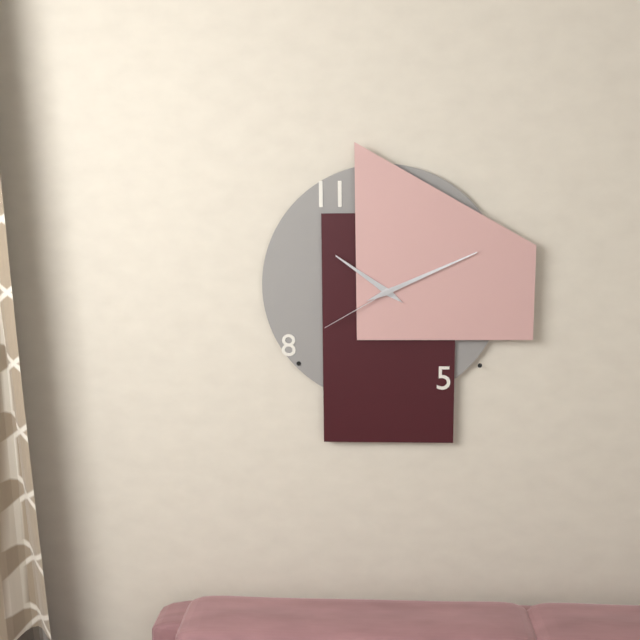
10:11:40
